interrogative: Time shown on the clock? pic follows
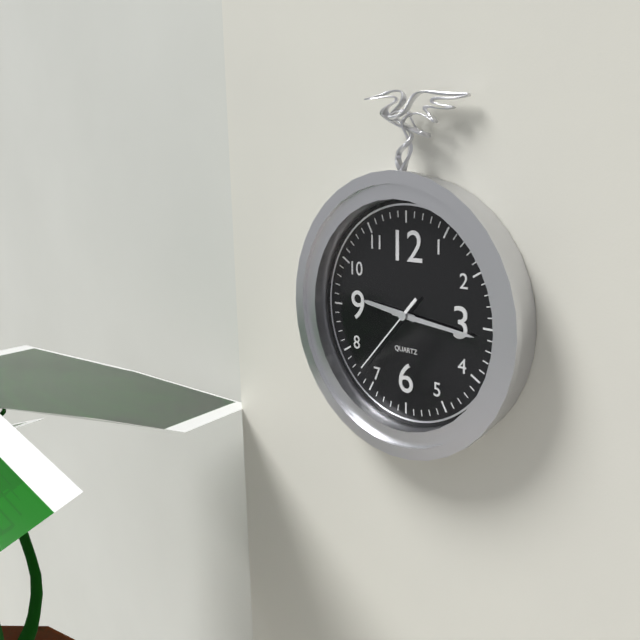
9:16:37
